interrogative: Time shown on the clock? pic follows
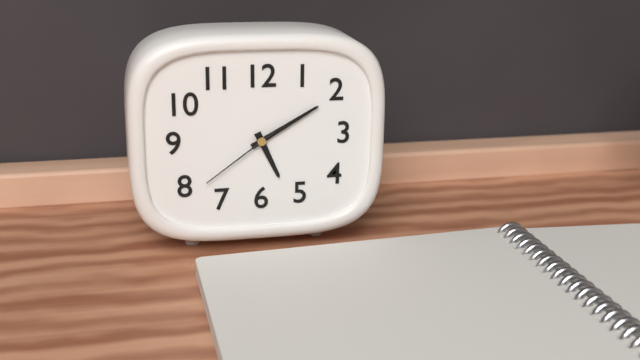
5:10:39
